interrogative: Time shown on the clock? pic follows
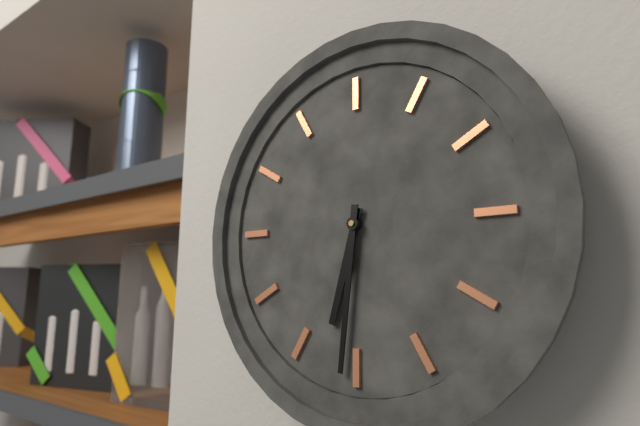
6:31
